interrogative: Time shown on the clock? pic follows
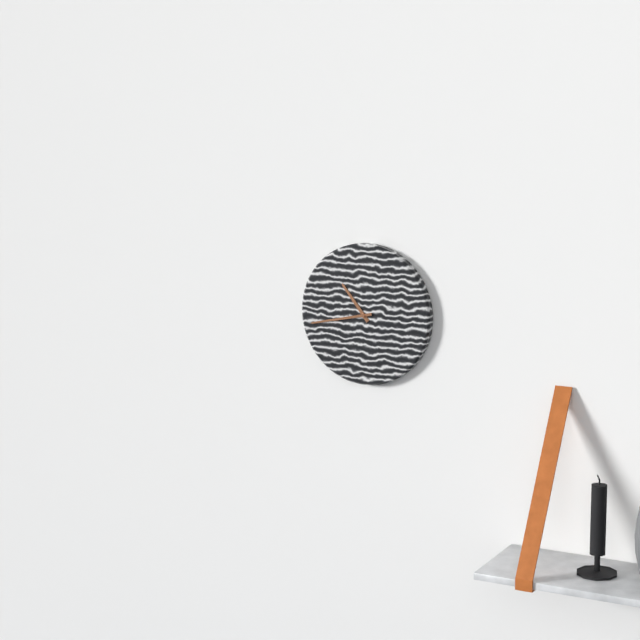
10:43
